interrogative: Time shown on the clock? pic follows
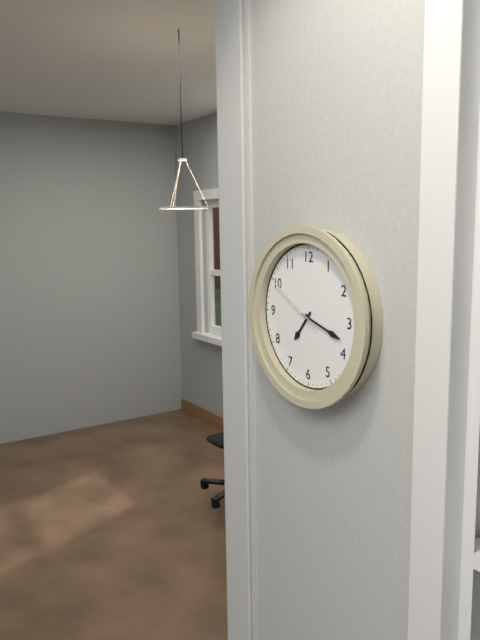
7:18:50
